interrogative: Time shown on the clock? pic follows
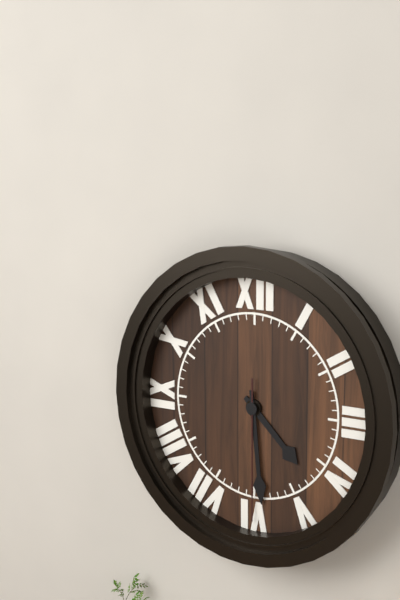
4:29:30
